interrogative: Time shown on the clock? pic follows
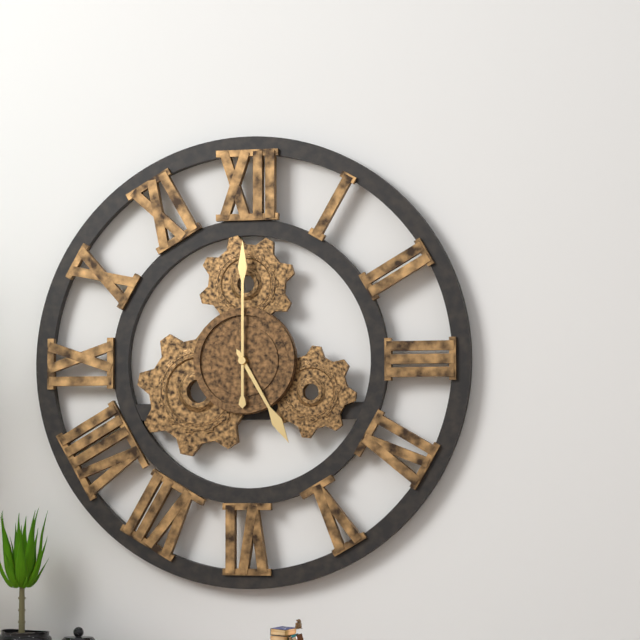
5:00
